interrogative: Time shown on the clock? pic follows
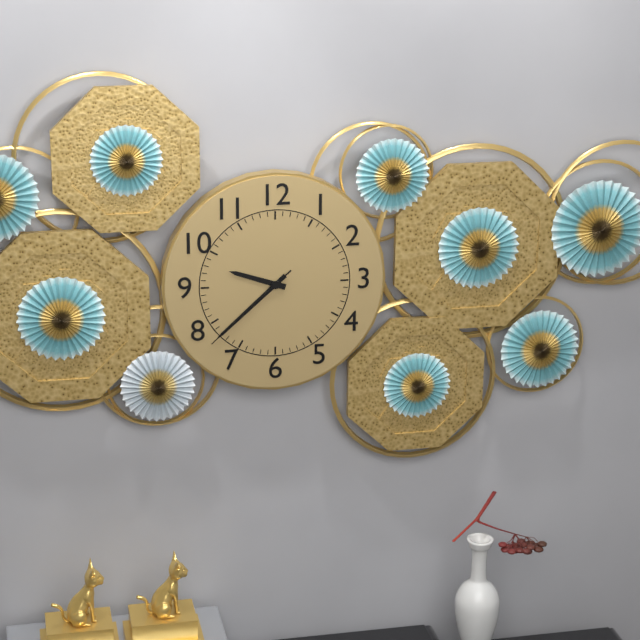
9:38:38
